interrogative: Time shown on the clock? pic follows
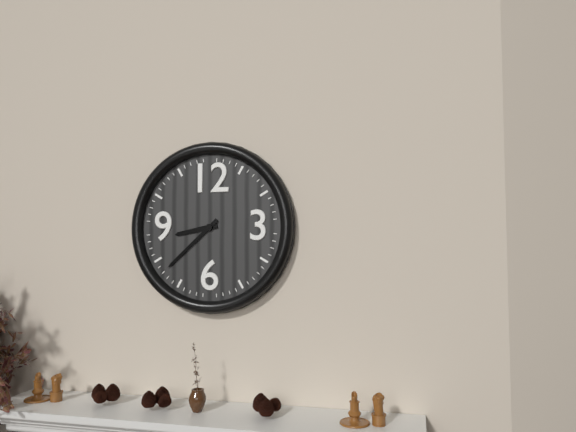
8:38
